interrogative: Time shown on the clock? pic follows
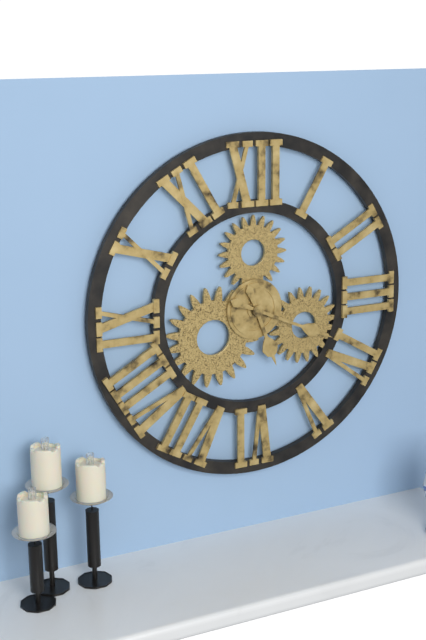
5:19
